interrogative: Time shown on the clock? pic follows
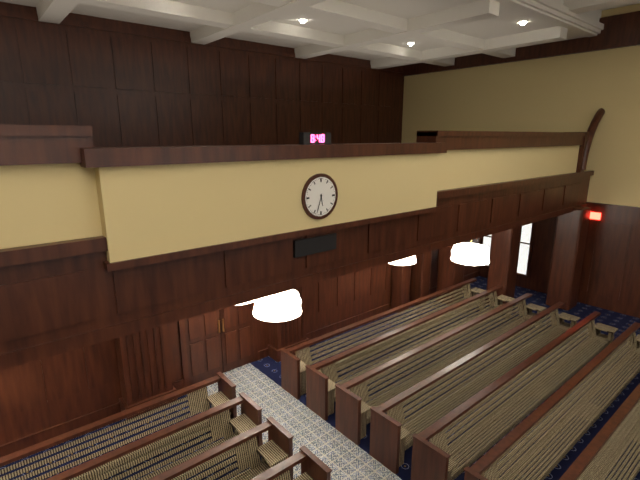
5:33
